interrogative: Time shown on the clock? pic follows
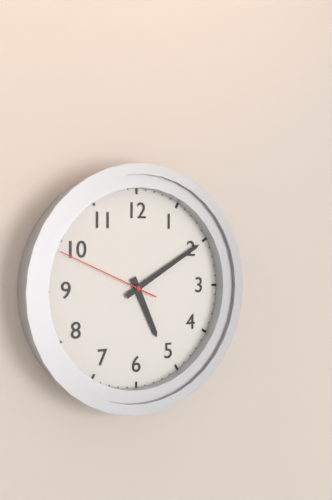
5:10:49
